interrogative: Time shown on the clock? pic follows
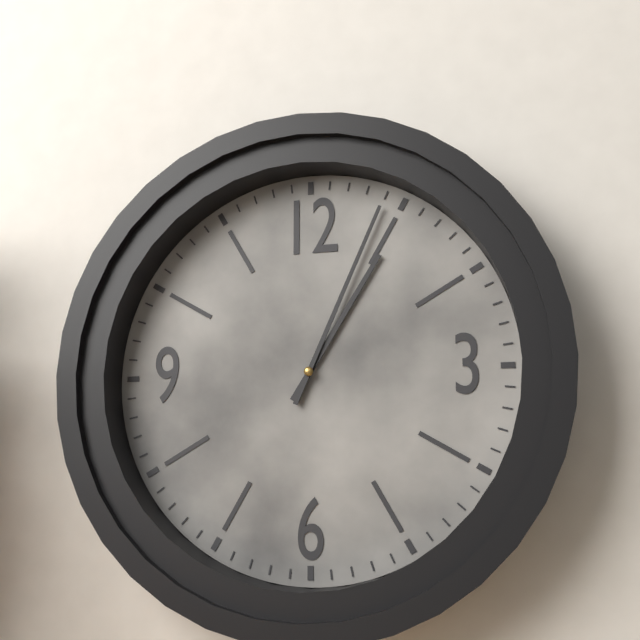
1:04
